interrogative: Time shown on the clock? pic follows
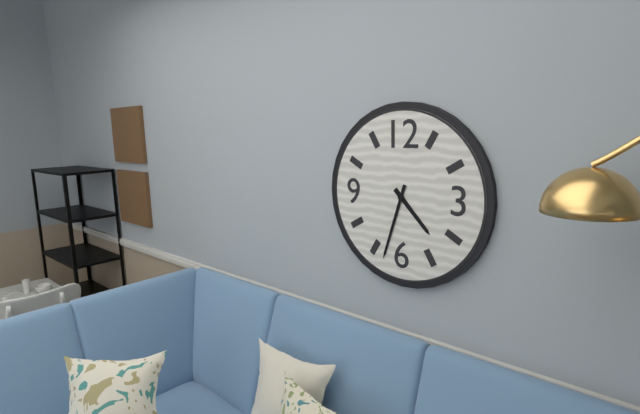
4:33
